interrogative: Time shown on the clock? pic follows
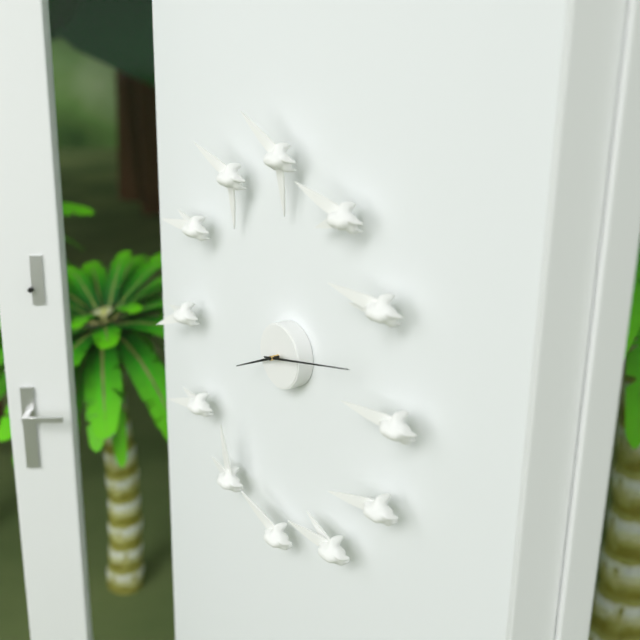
8:13
